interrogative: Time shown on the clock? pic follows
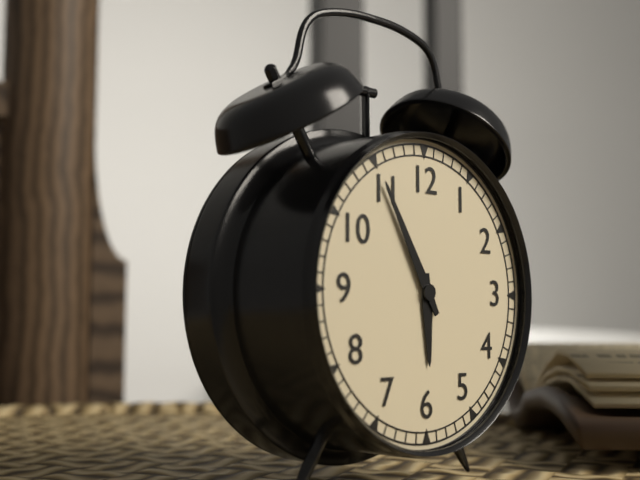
5:55
